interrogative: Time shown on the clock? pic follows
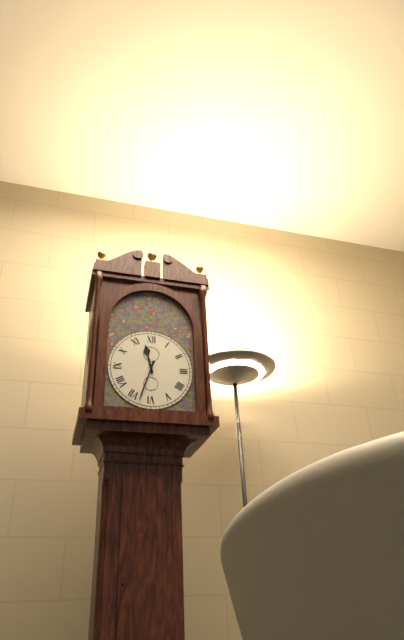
11:33
